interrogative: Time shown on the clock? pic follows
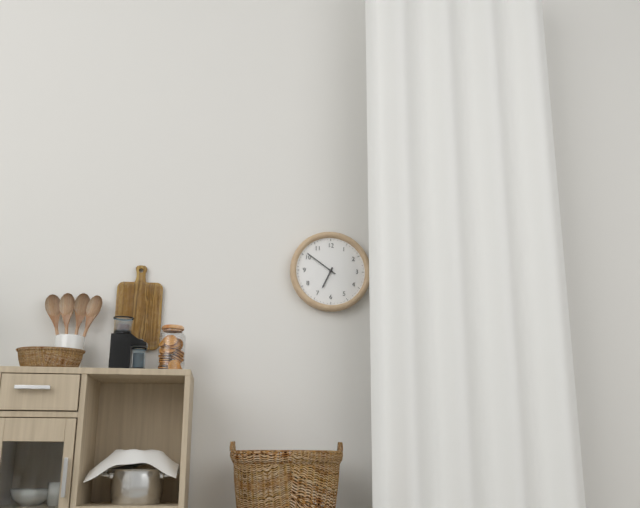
6:51
